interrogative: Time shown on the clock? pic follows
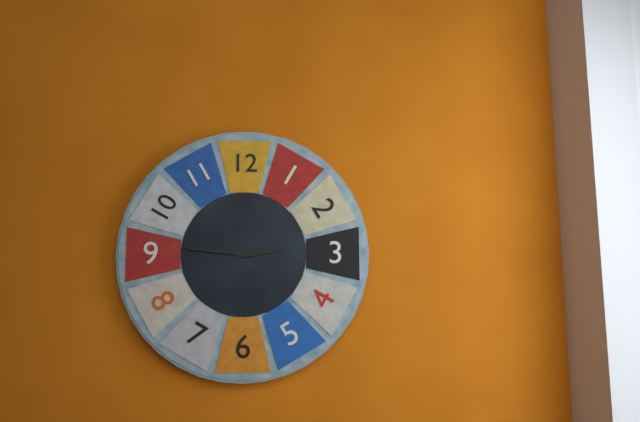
2:46
